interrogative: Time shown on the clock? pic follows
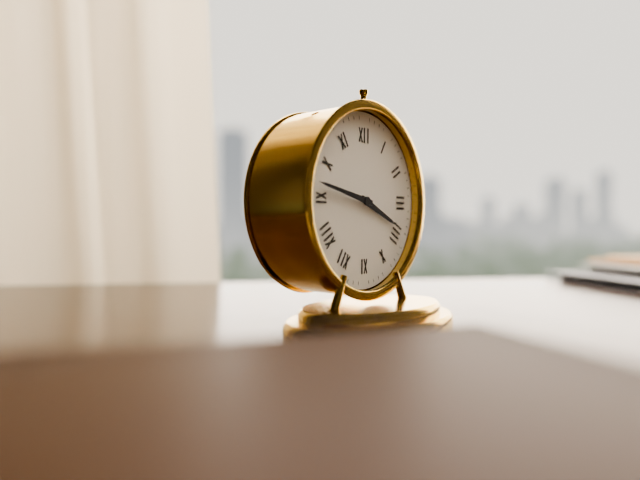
3:47
